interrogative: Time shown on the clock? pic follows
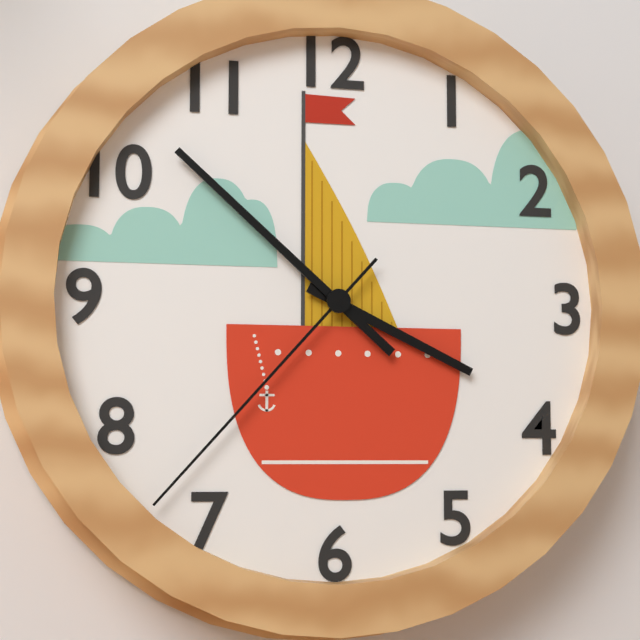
3:52:37
